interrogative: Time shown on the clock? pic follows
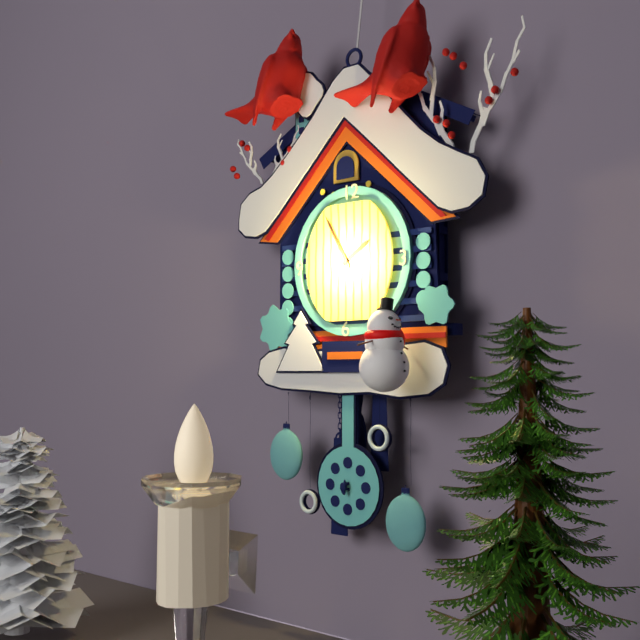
1:55
